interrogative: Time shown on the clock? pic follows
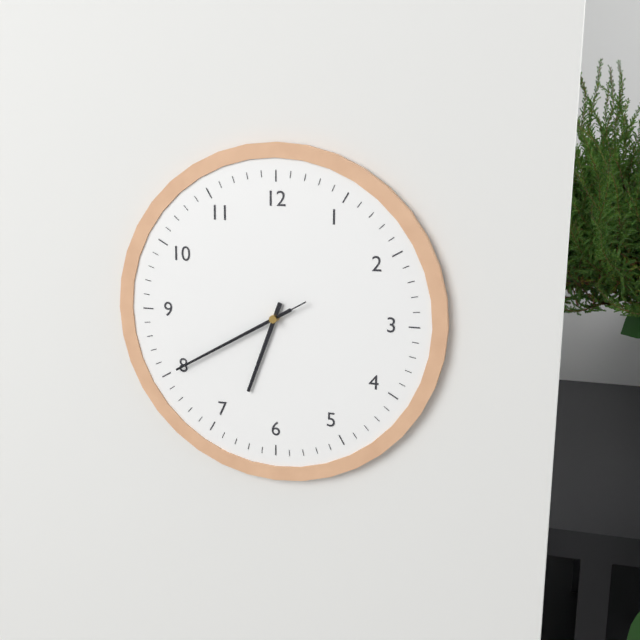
6:40:40
